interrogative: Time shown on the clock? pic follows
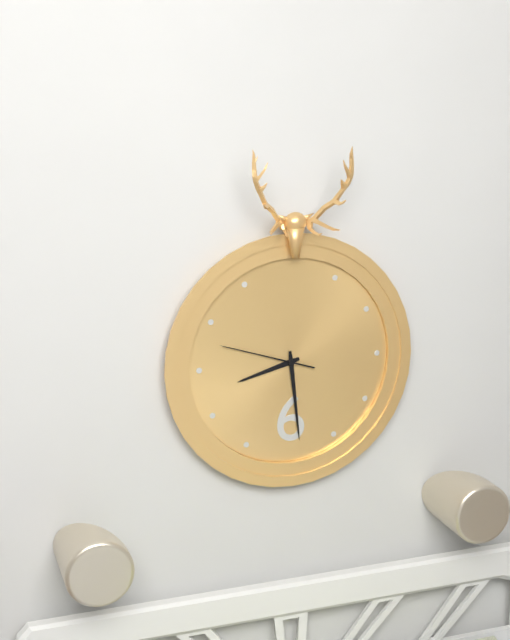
8:29:48
